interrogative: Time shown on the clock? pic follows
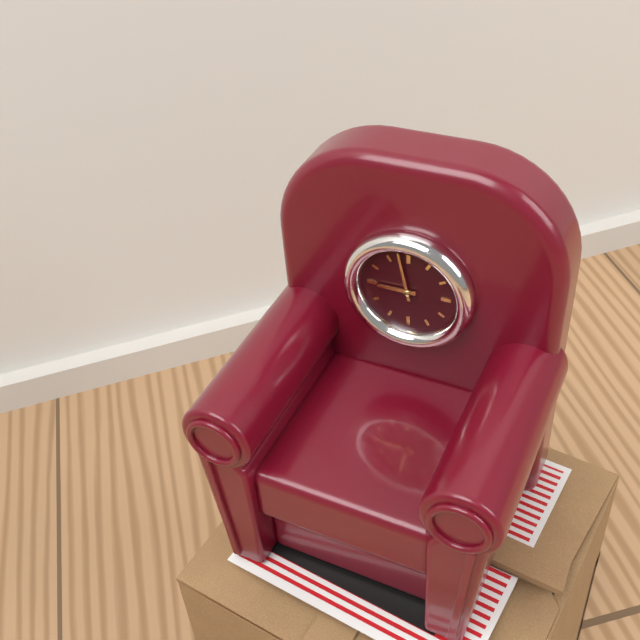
8:58
